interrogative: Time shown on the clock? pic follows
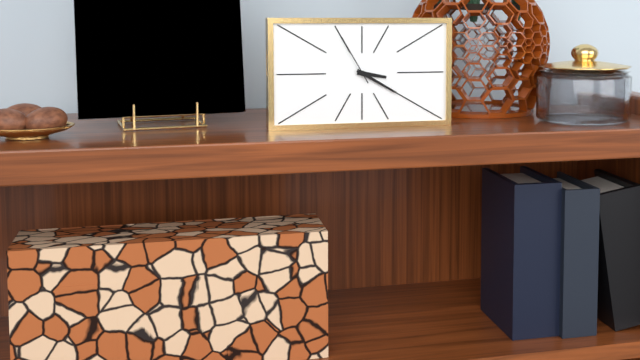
3:20:55
